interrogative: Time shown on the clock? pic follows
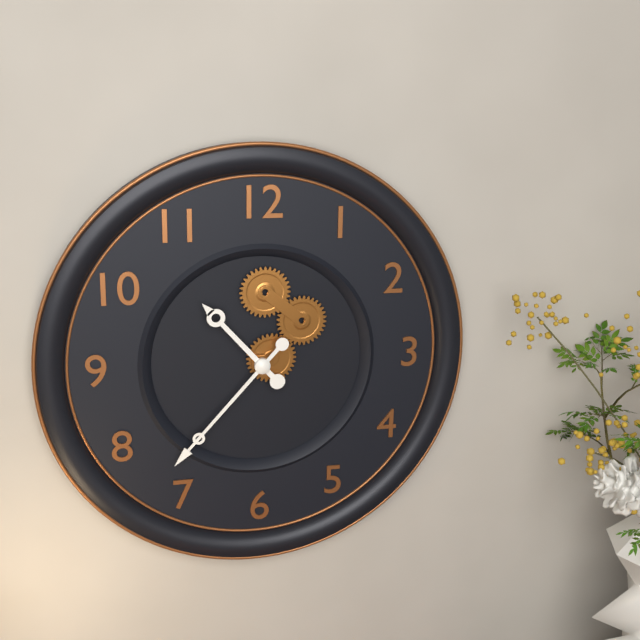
10:37
